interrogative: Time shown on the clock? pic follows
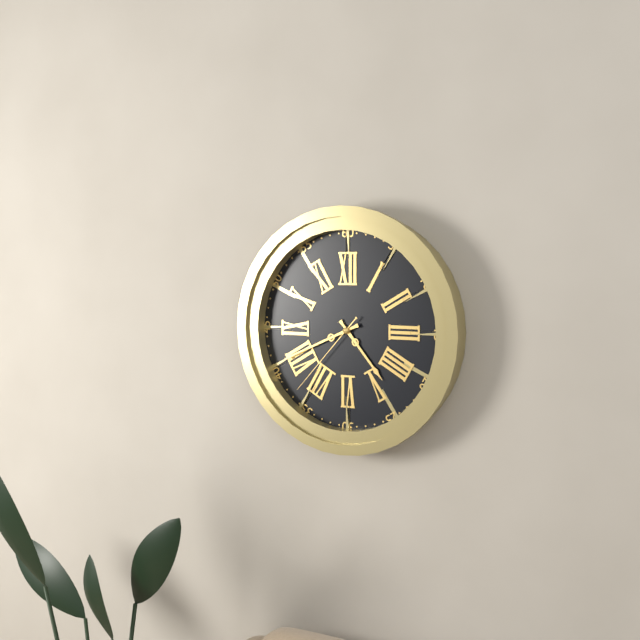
4:41:37
